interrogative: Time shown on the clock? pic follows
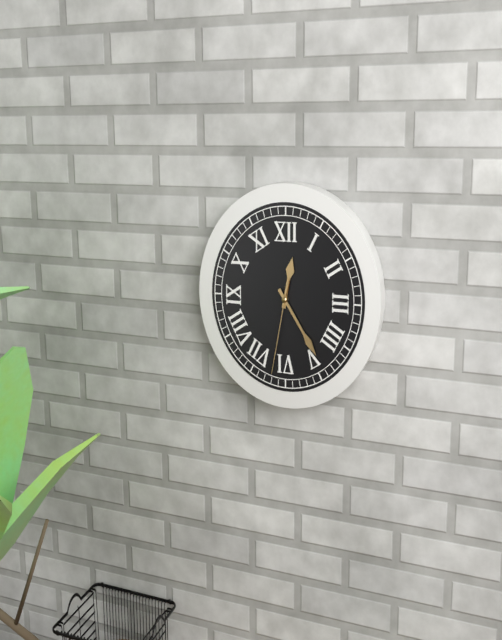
12:24:32
